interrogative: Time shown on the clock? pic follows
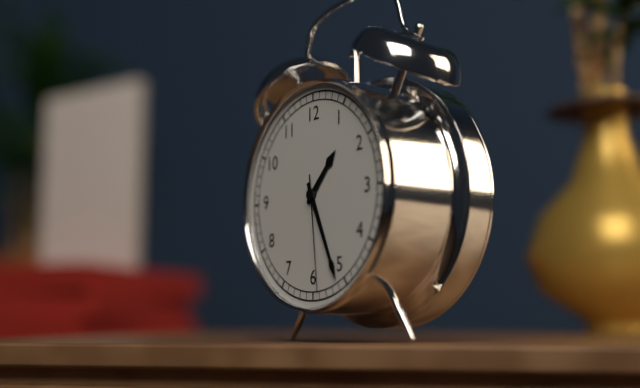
1:26:29
